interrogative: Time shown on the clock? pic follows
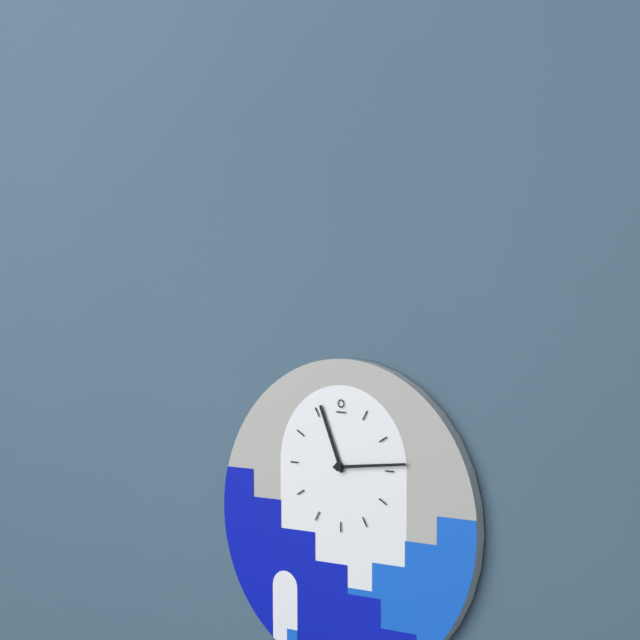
11:14
